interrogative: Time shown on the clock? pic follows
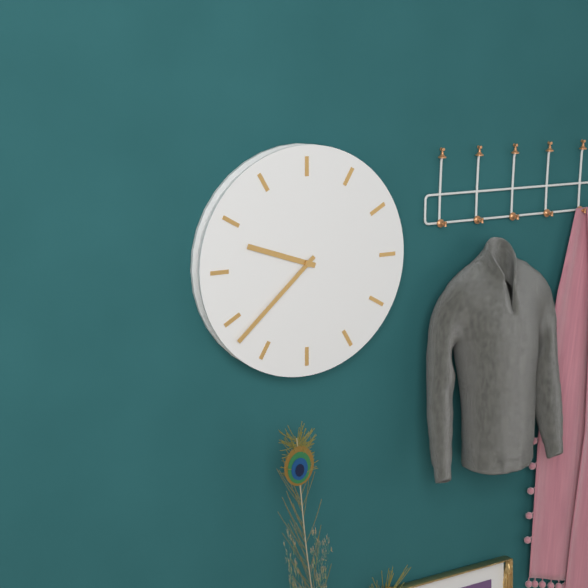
9:38
